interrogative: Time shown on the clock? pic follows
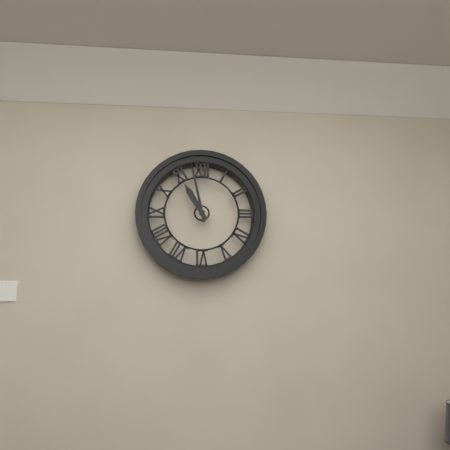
10:58
